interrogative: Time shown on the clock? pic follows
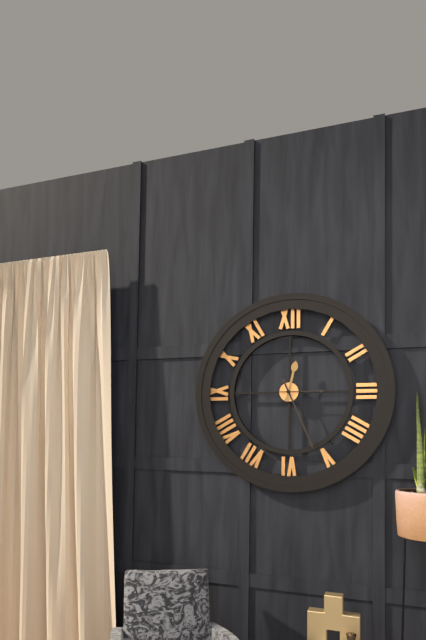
12:26
